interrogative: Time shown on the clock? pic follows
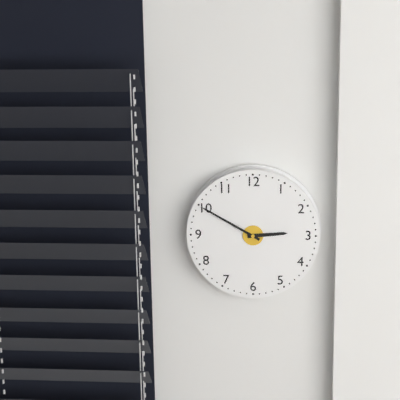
2:50
